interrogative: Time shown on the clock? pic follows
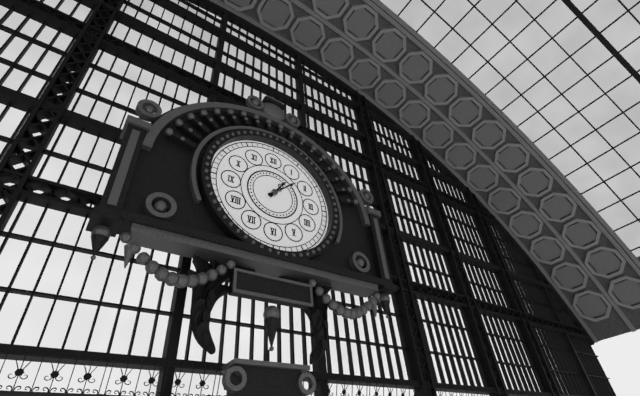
1:08
